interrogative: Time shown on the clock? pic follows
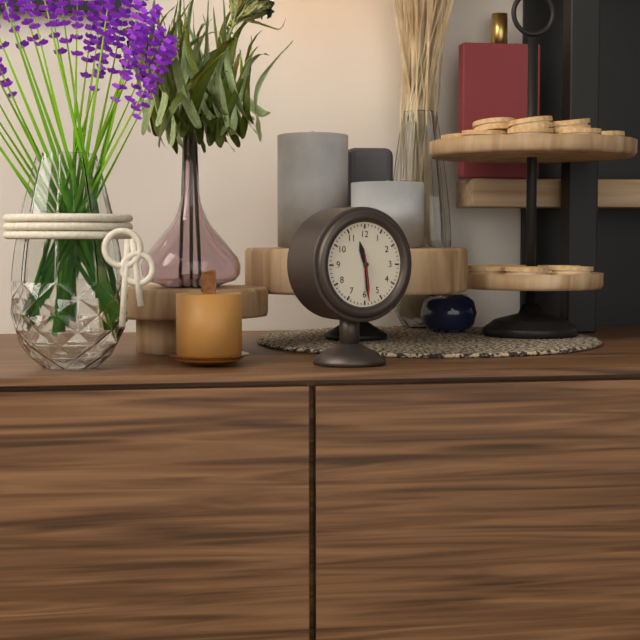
11:29
